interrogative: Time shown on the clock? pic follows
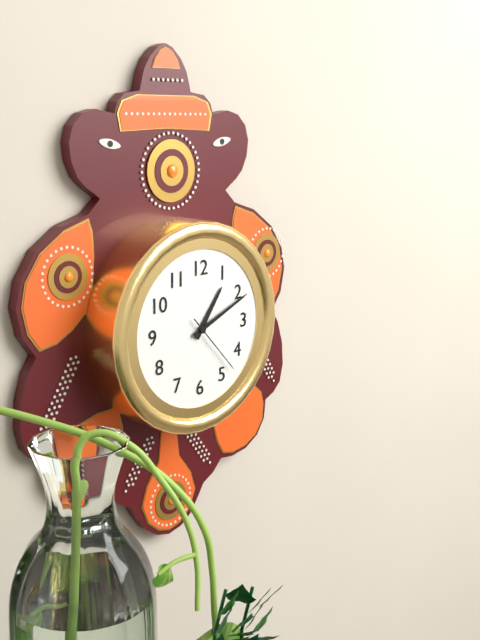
1:11:23
